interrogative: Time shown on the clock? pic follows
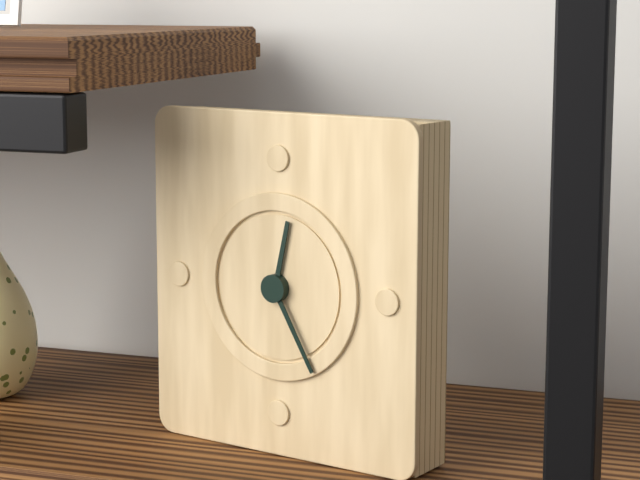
12:25
